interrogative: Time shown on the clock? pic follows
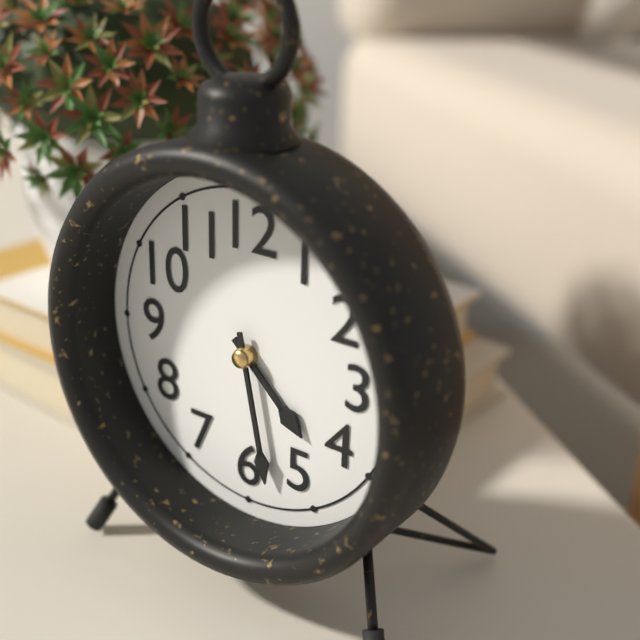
4:28
